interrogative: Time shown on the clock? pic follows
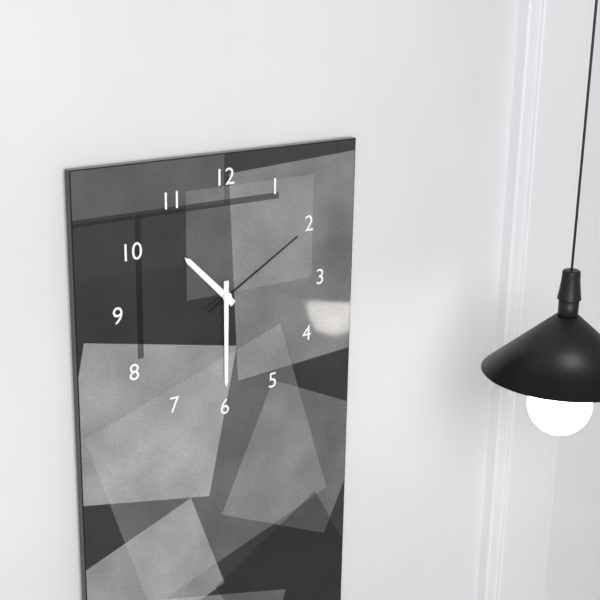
10:30:10
